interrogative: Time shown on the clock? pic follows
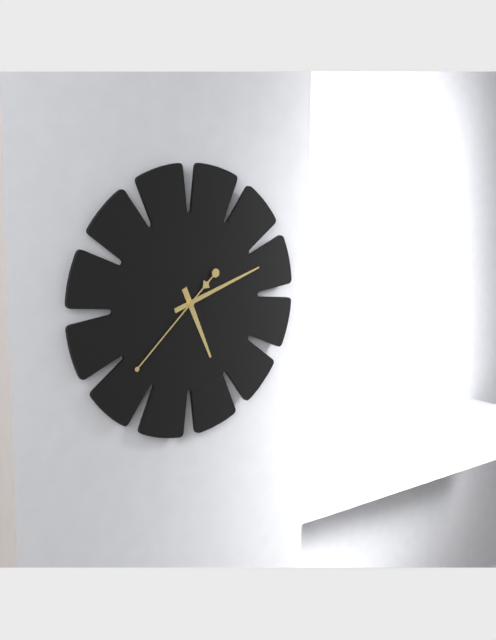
5:12:38
